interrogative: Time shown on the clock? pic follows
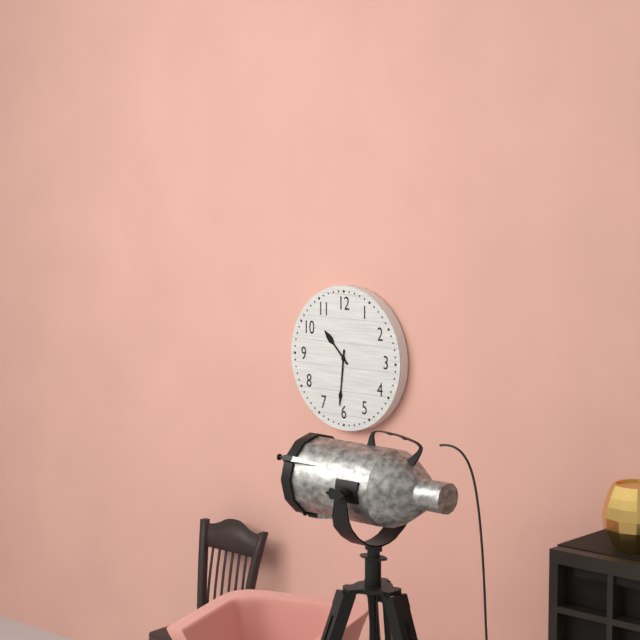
10:31
